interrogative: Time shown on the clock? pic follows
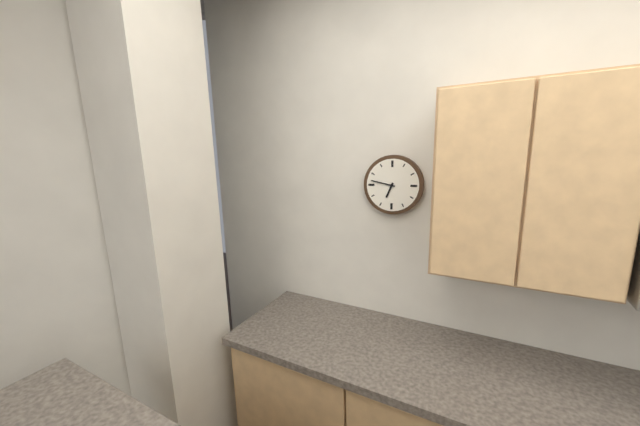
6:47
